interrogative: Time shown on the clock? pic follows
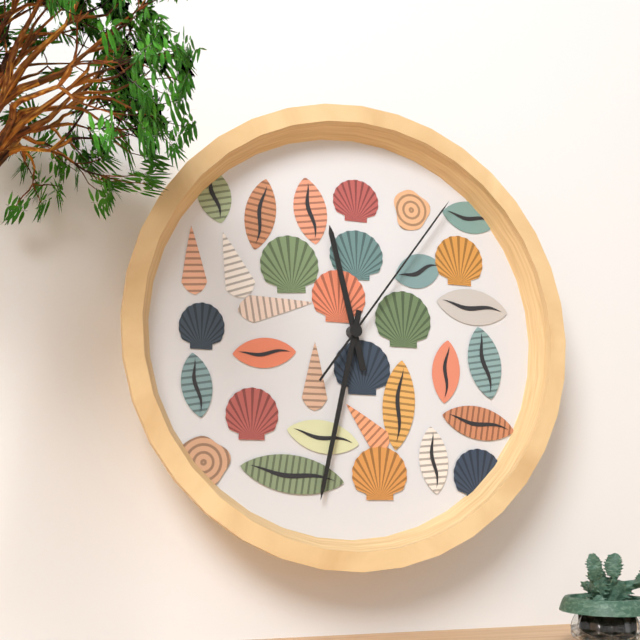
11:32:06
